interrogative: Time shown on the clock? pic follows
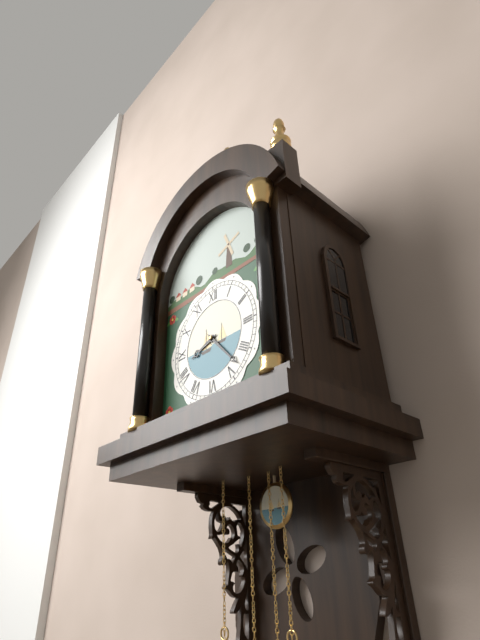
8:23
